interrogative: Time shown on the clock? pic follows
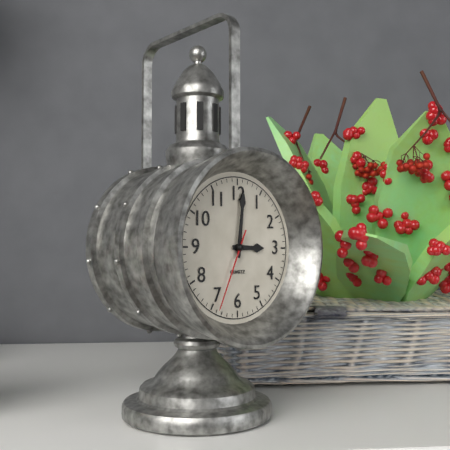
3:01:34
